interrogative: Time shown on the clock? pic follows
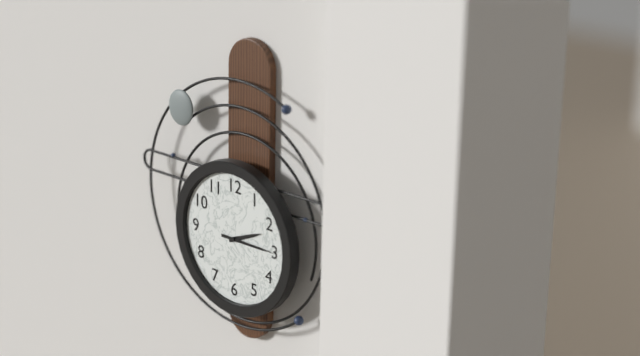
2:15
